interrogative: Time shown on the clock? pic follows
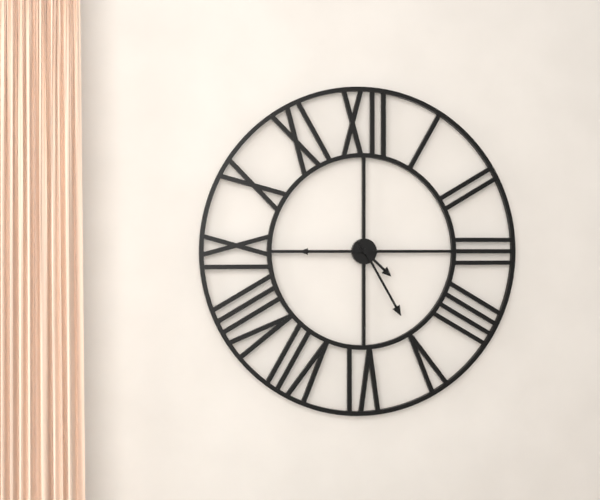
4:25:45
